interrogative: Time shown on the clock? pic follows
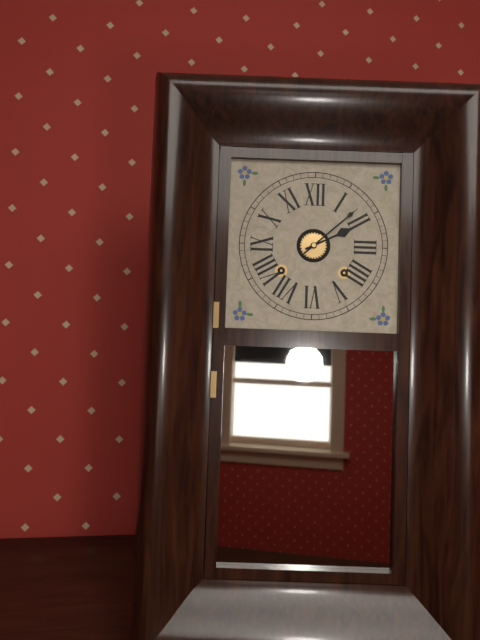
2:08
